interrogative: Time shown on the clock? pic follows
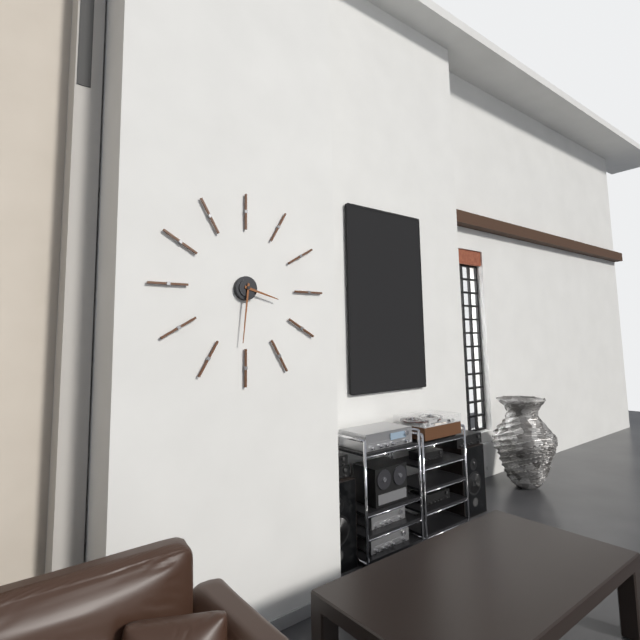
3:31
